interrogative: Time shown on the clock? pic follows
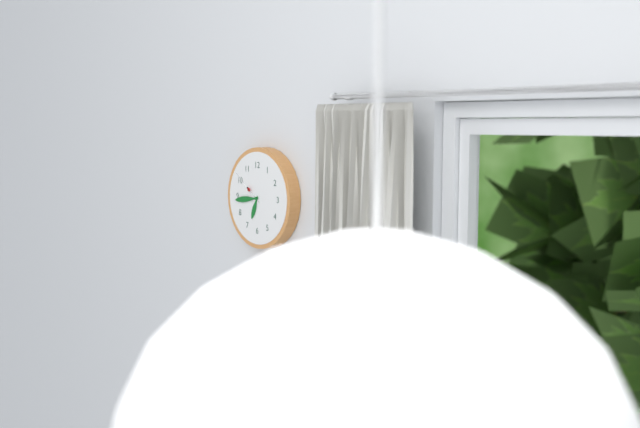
6:44
